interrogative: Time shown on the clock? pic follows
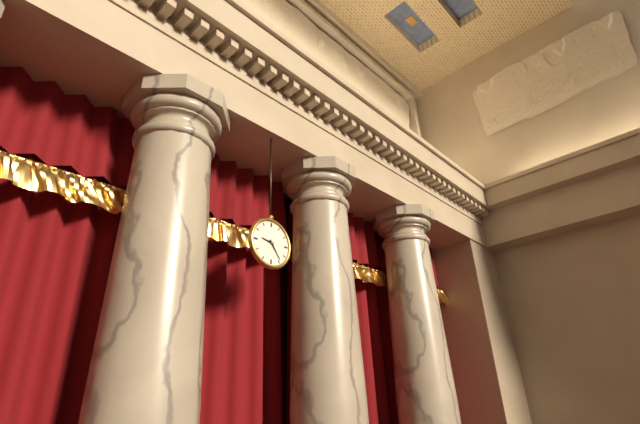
9:24
